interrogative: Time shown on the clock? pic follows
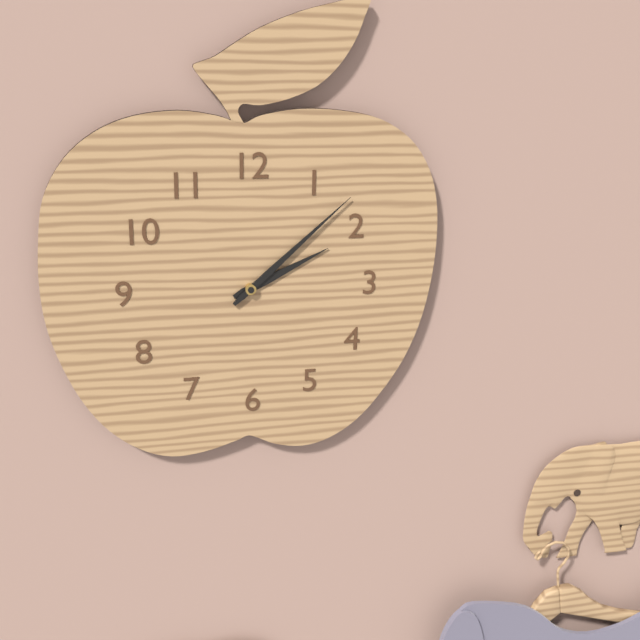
2:08
